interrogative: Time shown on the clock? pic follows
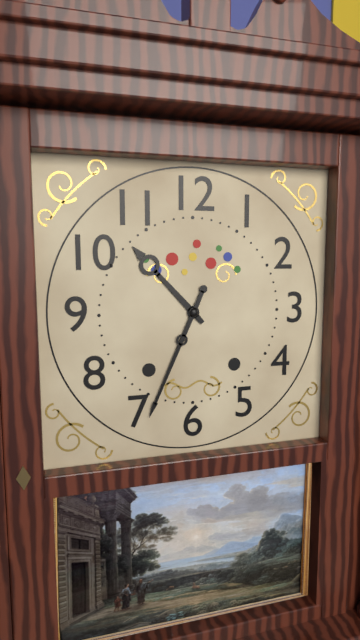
10:34
